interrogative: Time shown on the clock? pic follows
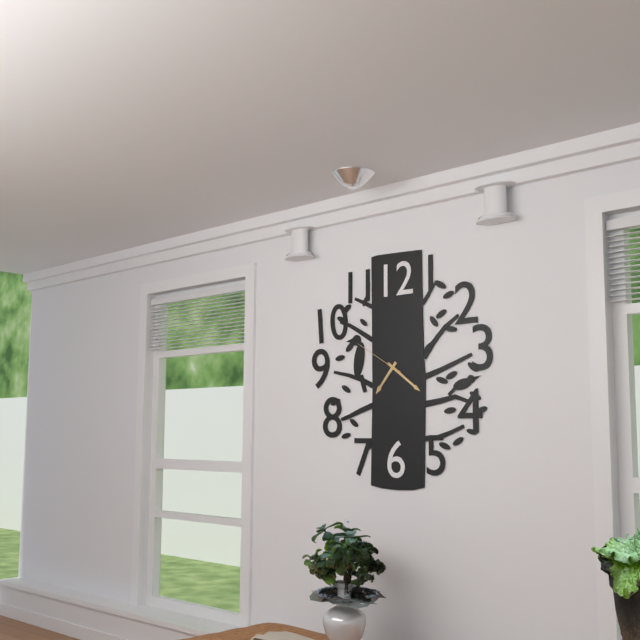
7:21:50
